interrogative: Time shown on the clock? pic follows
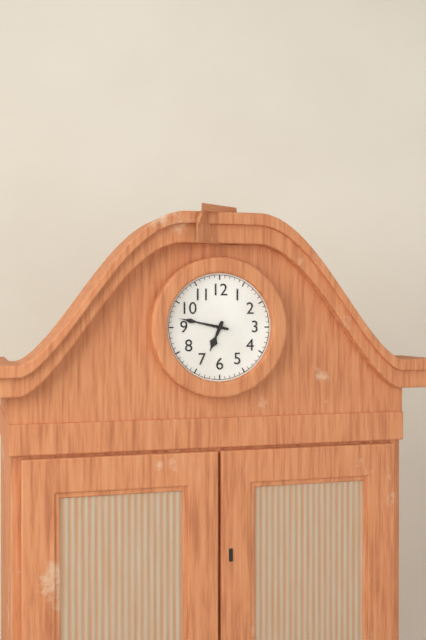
6:47
